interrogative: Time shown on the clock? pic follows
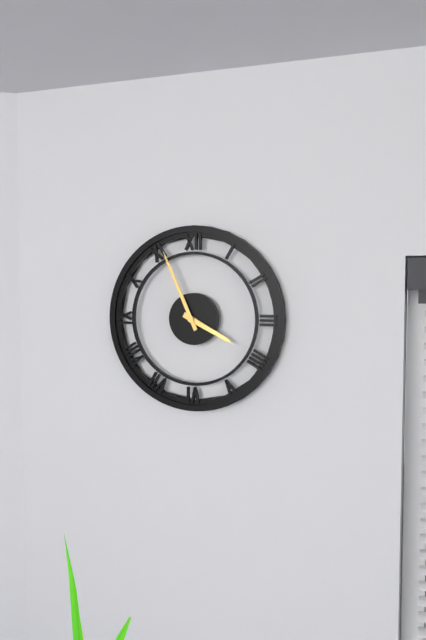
3:56
